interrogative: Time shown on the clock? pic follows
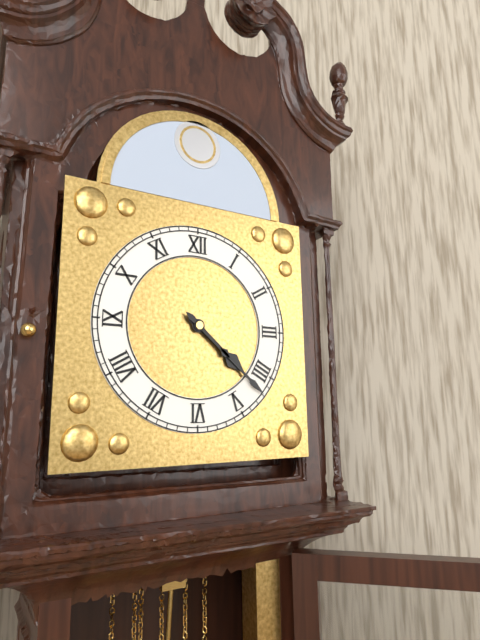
4:22
